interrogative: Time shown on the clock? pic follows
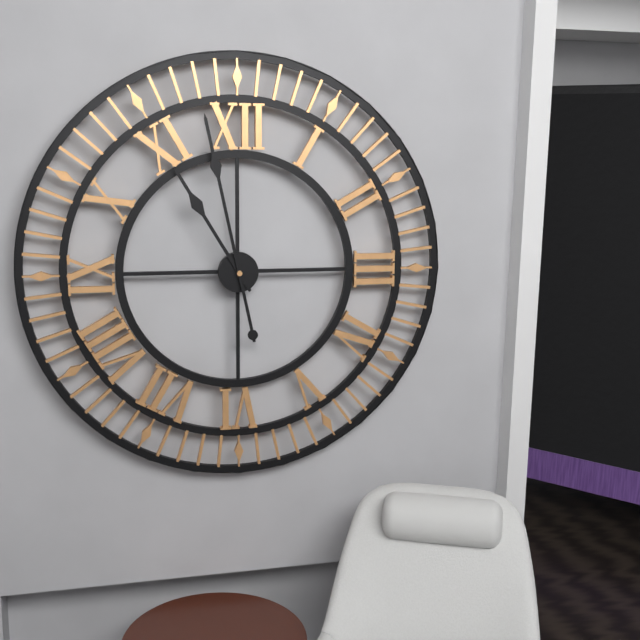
10:58
